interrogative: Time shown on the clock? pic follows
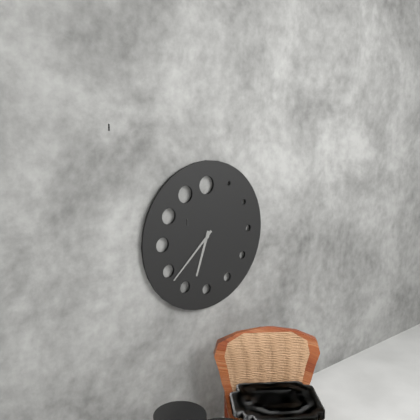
6:38
